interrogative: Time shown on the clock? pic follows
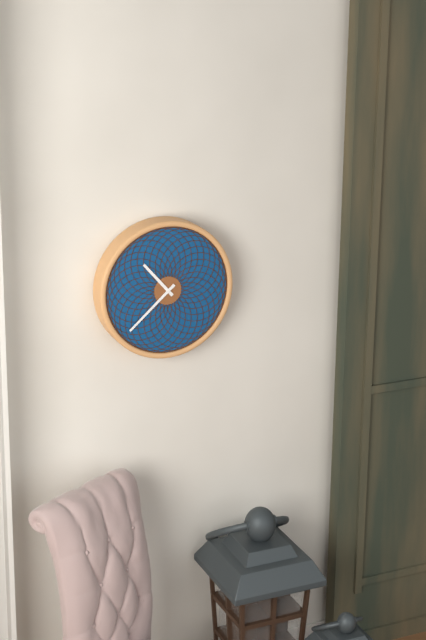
10:38
